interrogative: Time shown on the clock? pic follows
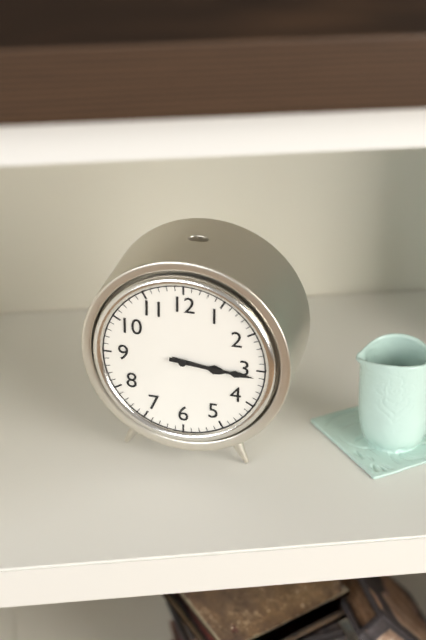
3:16
